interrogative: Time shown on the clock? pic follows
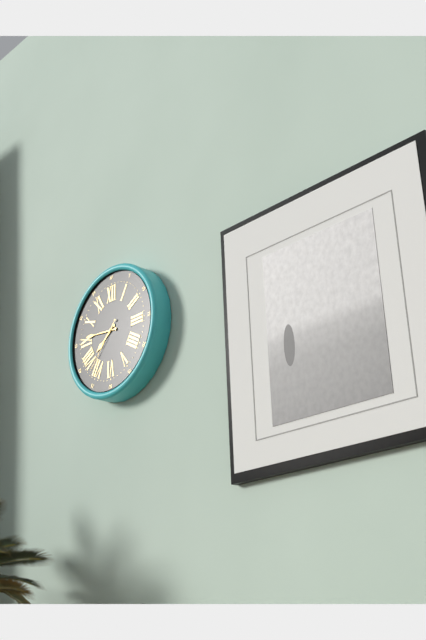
7:46:37
